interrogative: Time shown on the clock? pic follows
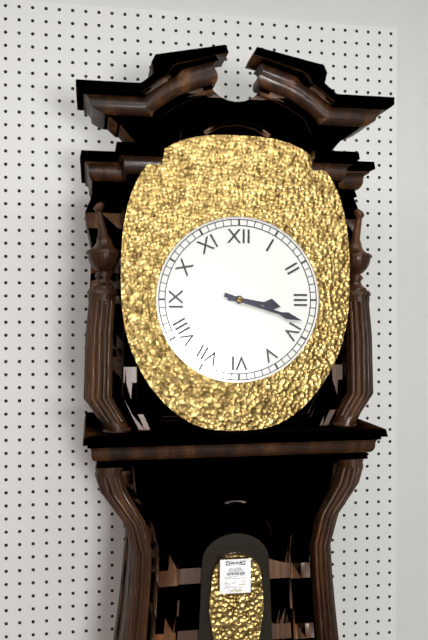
3:18
